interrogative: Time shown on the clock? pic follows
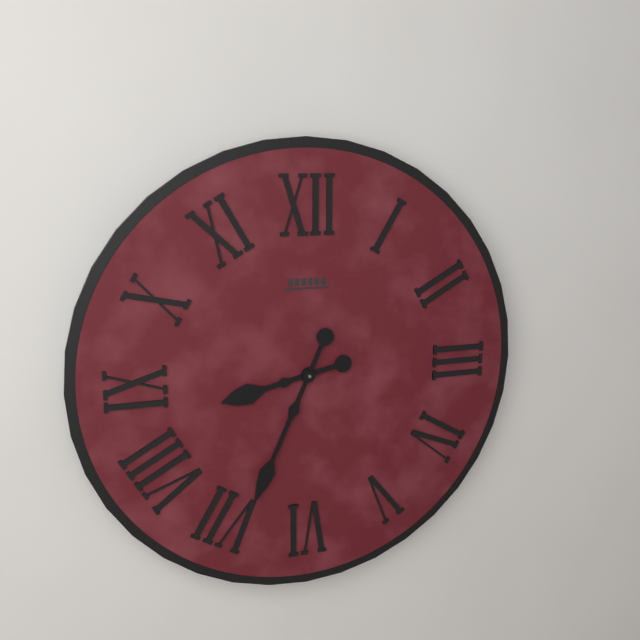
8:34
